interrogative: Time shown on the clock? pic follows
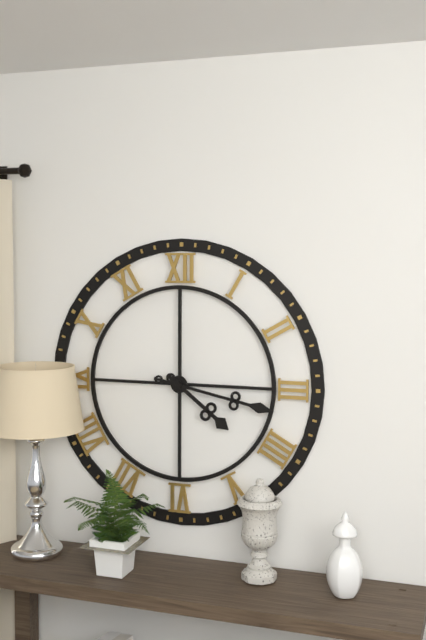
4:17
